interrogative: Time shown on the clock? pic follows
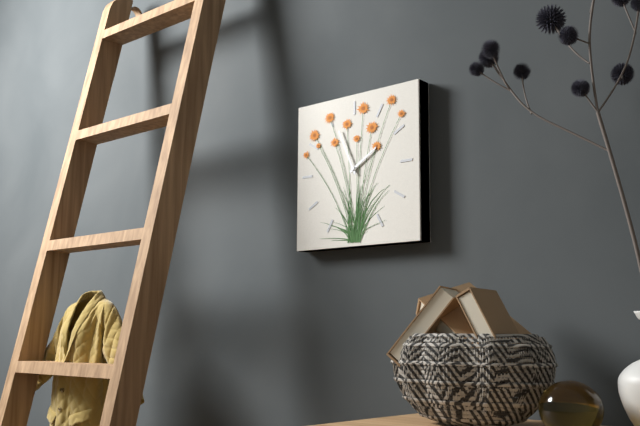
1:56
